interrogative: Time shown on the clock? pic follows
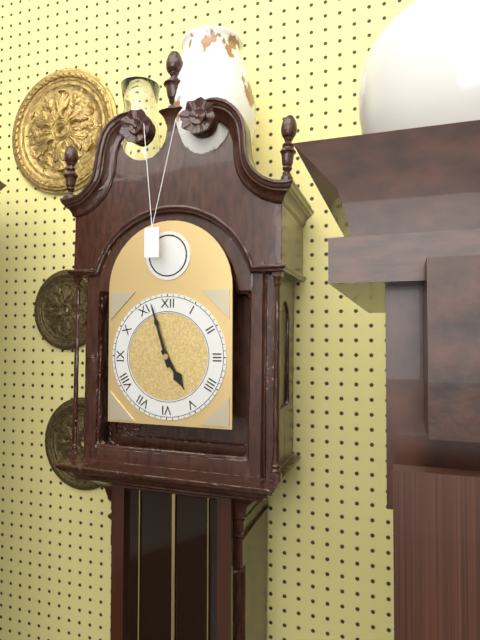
4:57
